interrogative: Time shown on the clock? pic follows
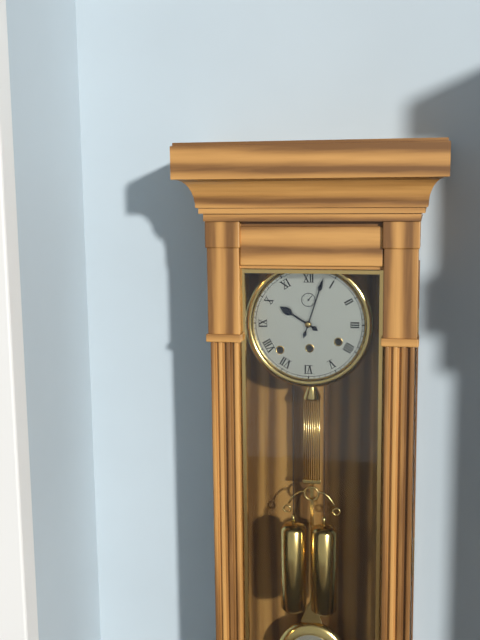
10:03
